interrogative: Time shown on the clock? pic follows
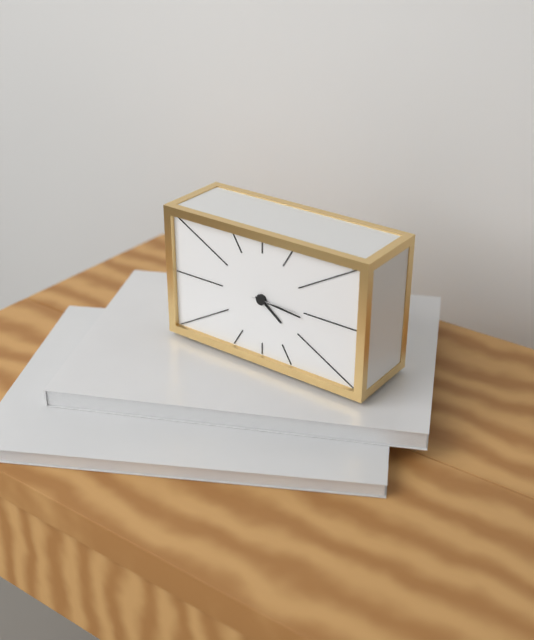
4:16
